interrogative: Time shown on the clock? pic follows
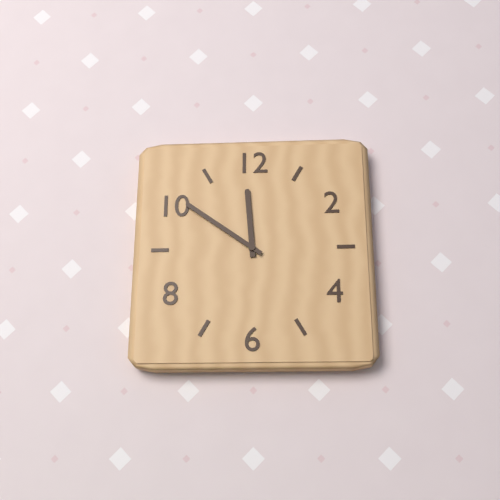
11:51
